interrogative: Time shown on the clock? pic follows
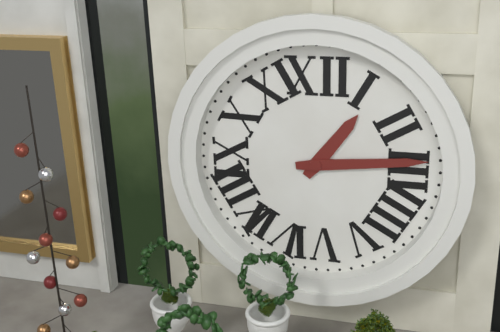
1:14
